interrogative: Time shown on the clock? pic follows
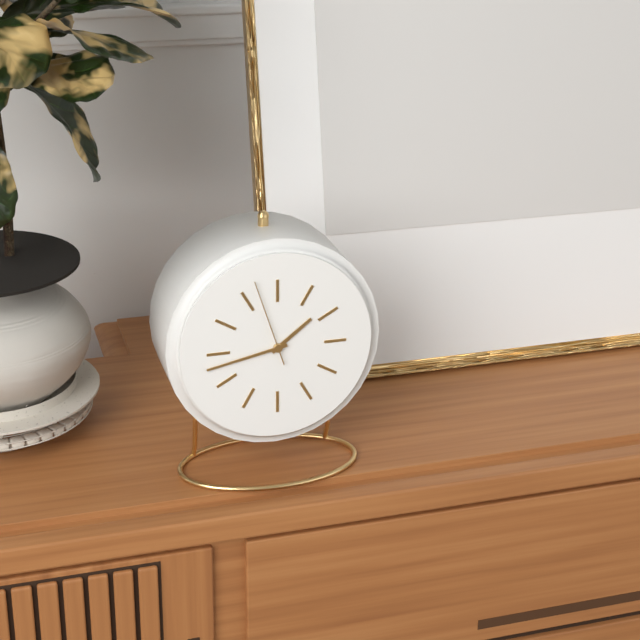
1:43:57
